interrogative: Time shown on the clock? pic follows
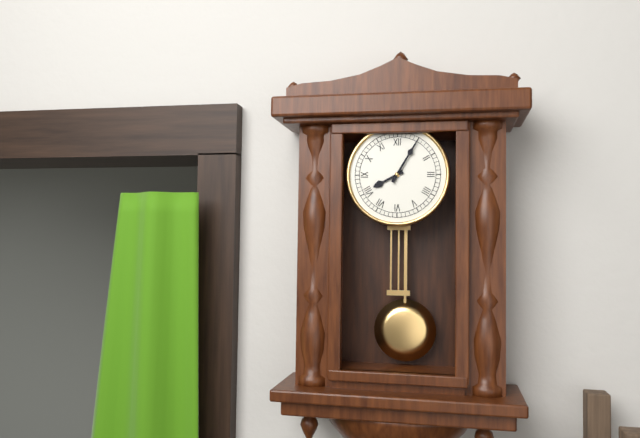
8:05
